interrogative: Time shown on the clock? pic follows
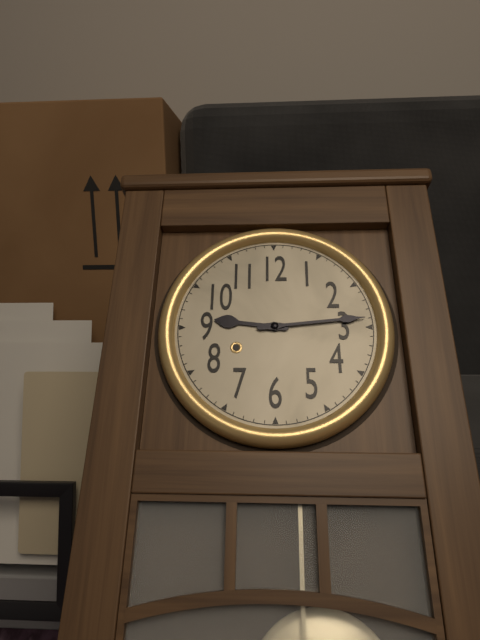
9:14
